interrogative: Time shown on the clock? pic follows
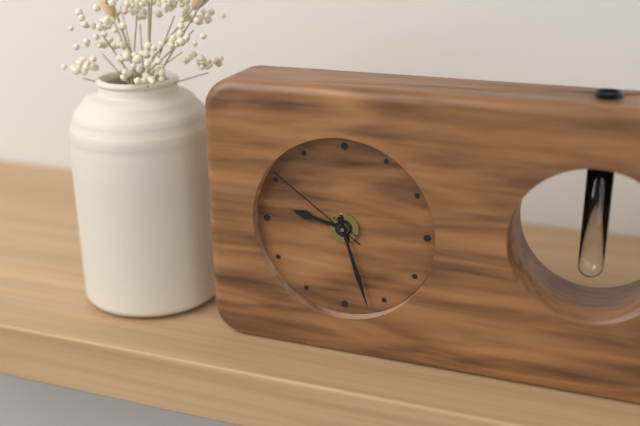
9:27:51
